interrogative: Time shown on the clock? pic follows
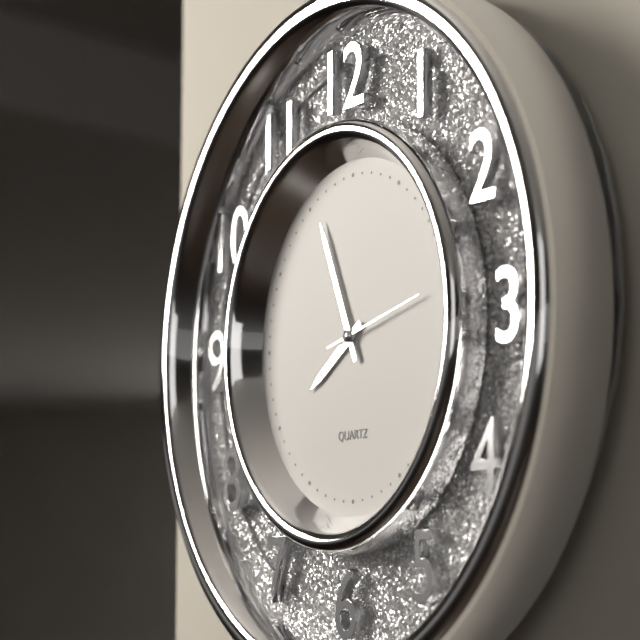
7:56:13
